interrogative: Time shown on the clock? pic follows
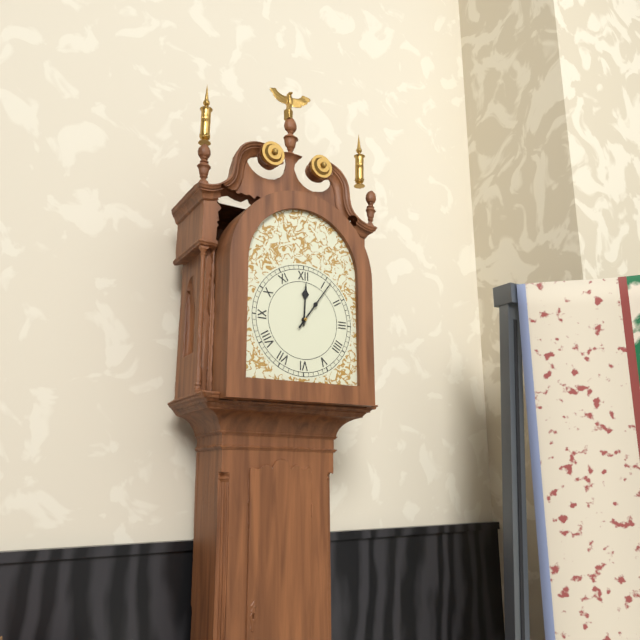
12:06
